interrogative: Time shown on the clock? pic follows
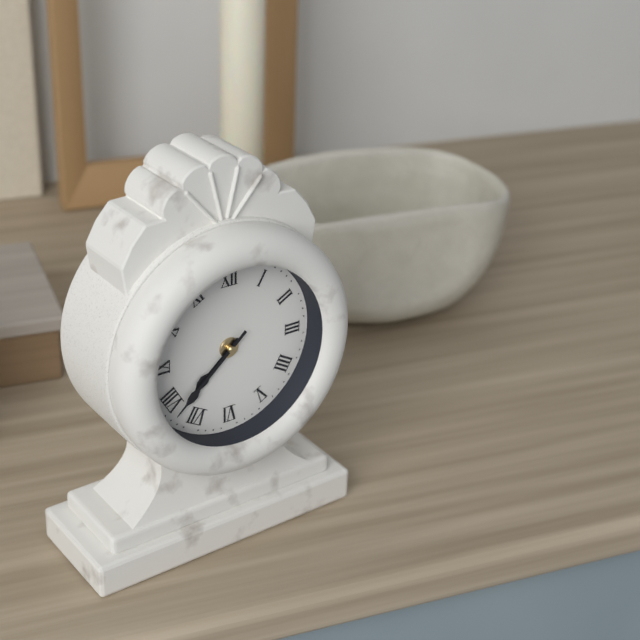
7:38
